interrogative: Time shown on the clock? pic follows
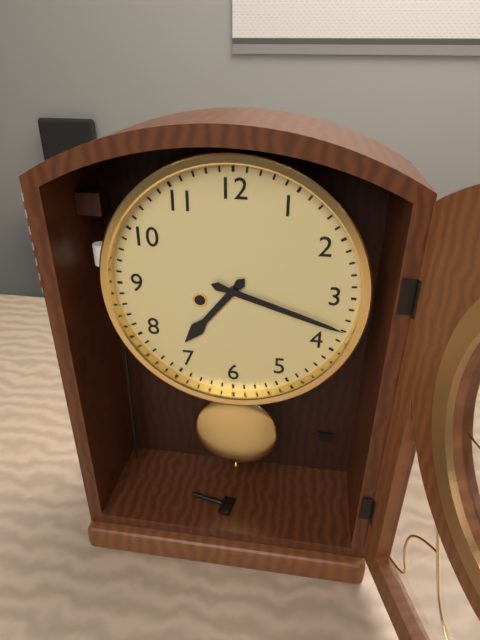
7:18
